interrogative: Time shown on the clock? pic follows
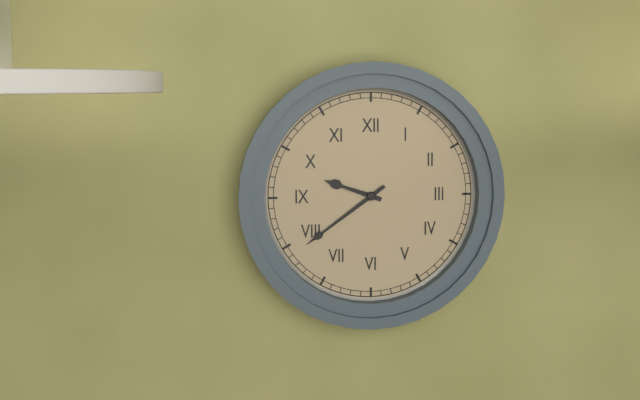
9:39
